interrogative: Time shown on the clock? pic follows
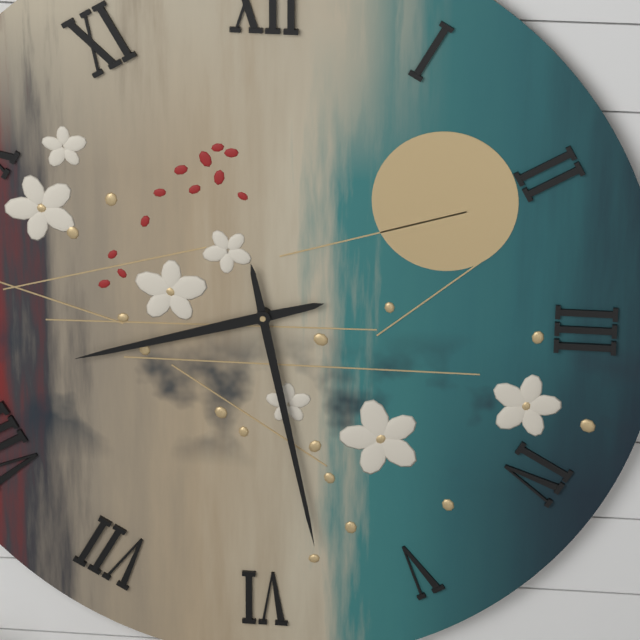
8:28
